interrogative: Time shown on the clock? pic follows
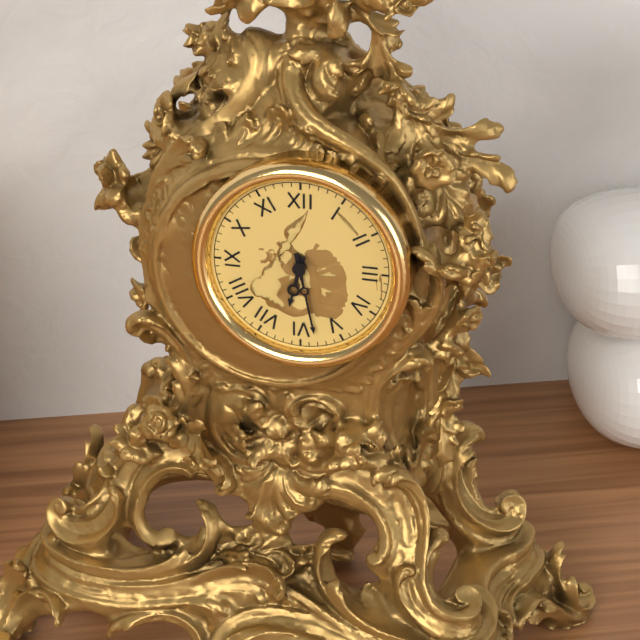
6:28
